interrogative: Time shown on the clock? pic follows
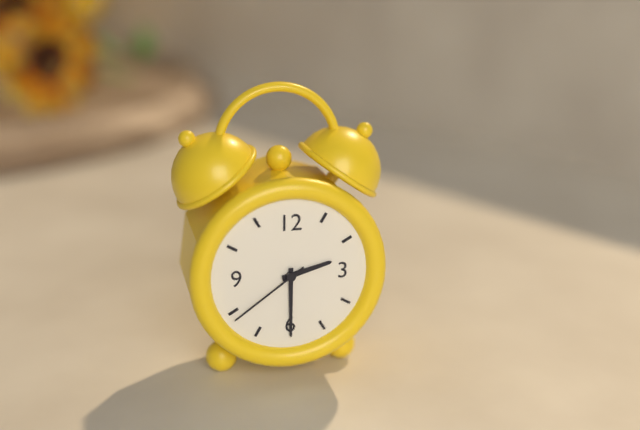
2:30:39
